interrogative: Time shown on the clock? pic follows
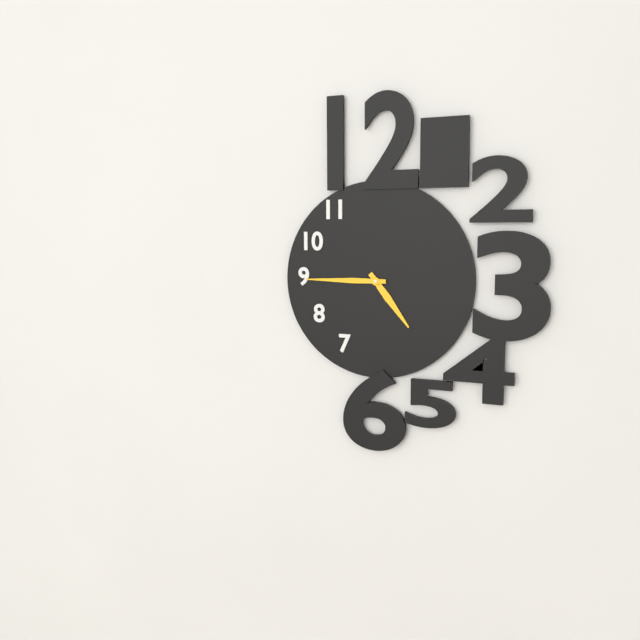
4:45
